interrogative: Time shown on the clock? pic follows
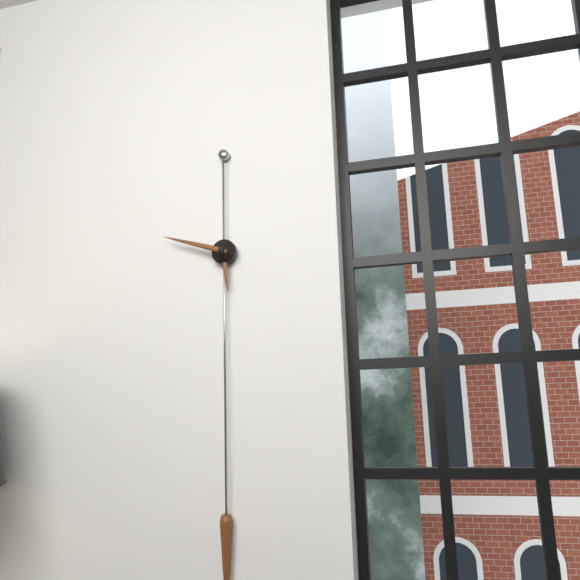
5:48
